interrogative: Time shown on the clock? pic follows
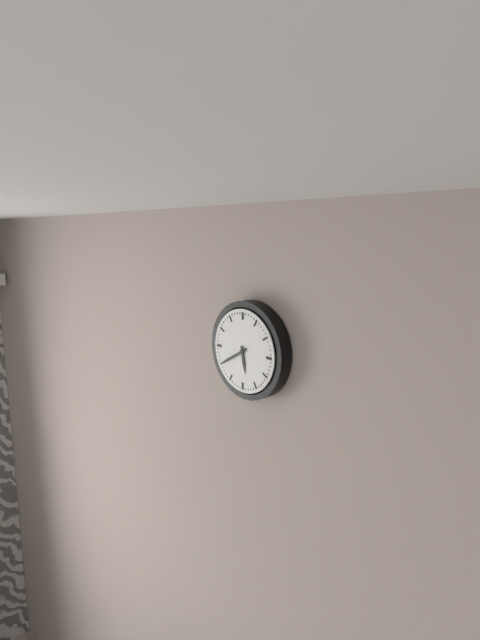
5:40
